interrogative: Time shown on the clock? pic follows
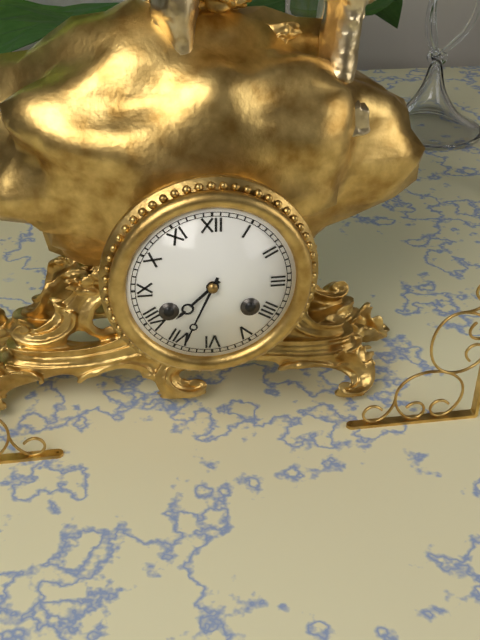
7:34
